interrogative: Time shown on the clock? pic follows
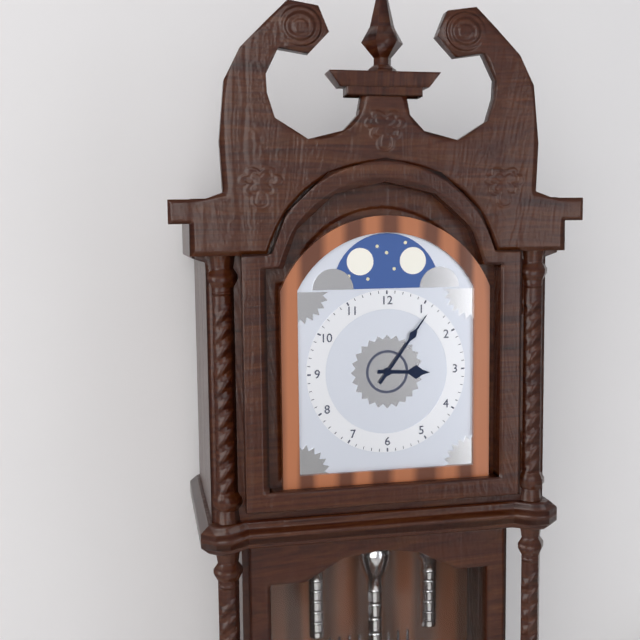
3:06
